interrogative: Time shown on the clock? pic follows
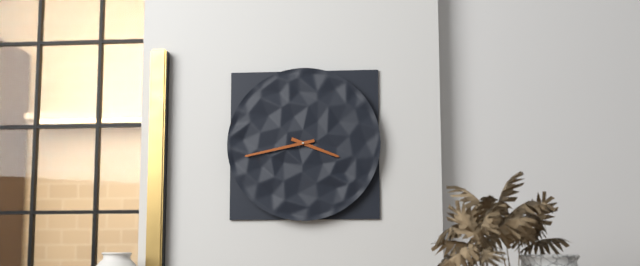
3:43
